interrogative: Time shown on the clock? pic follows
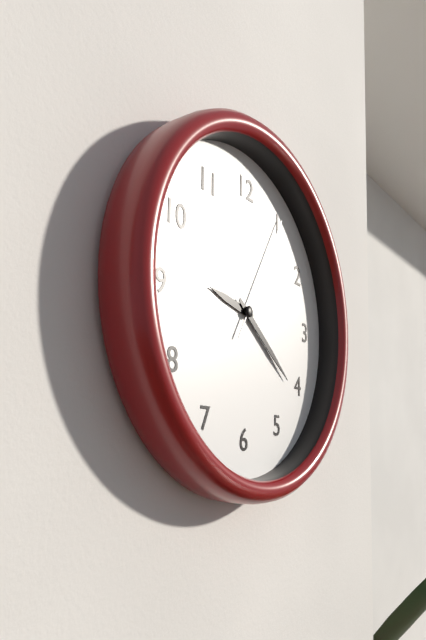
9:21:05
